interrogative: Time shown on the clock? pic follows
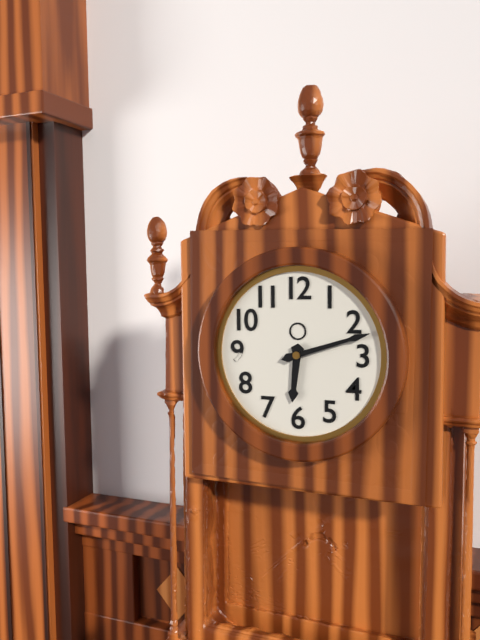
6:12
